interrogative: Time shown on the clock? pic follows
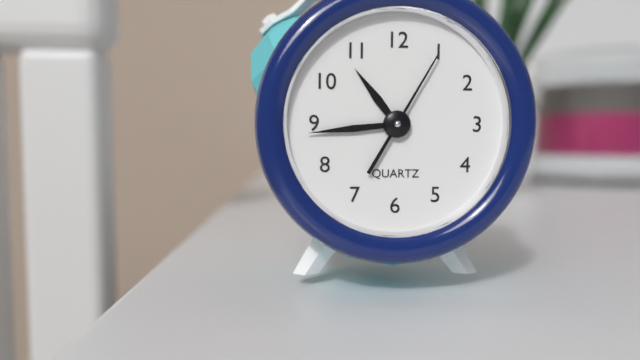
10:44:05
